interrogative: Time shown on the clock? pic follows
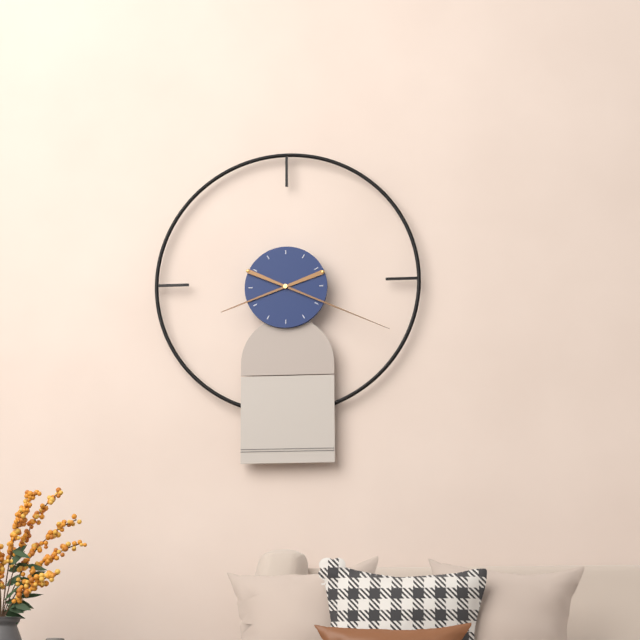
8:19
